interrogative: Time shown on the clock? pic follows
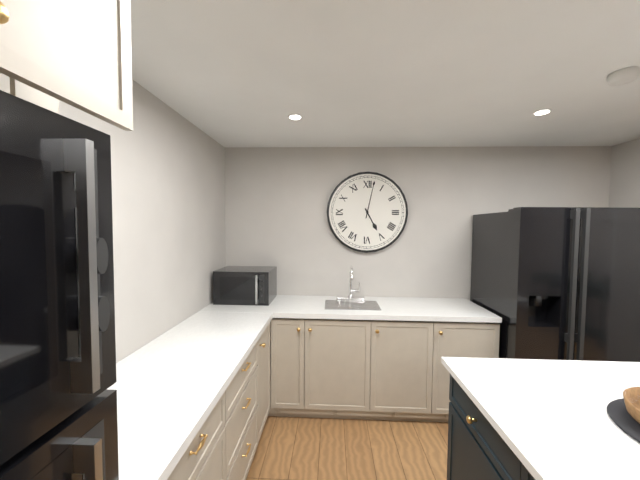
5:02
